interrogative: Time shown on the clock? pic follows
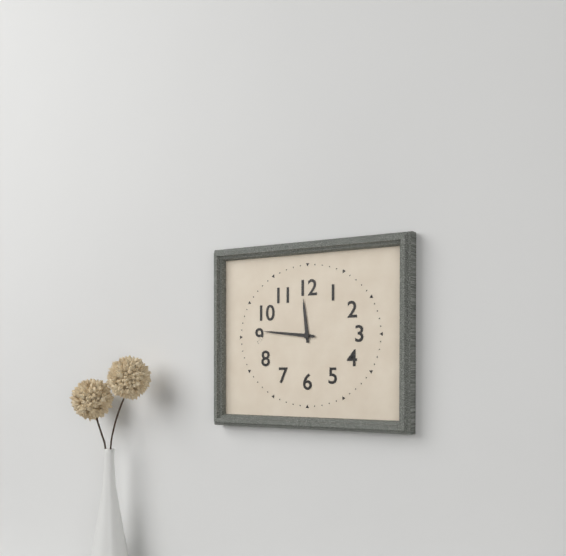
11:46
